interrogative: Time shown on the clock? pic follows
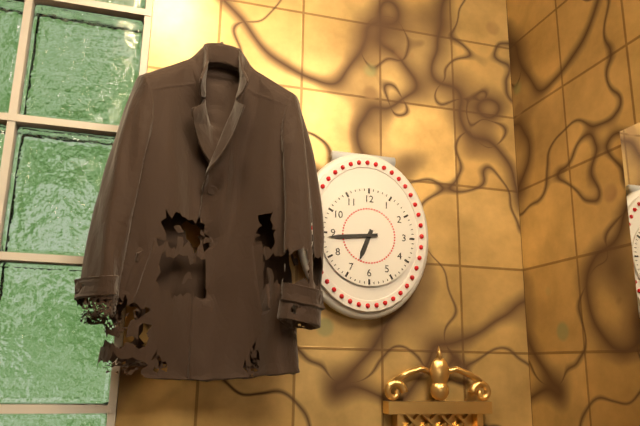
6:44
